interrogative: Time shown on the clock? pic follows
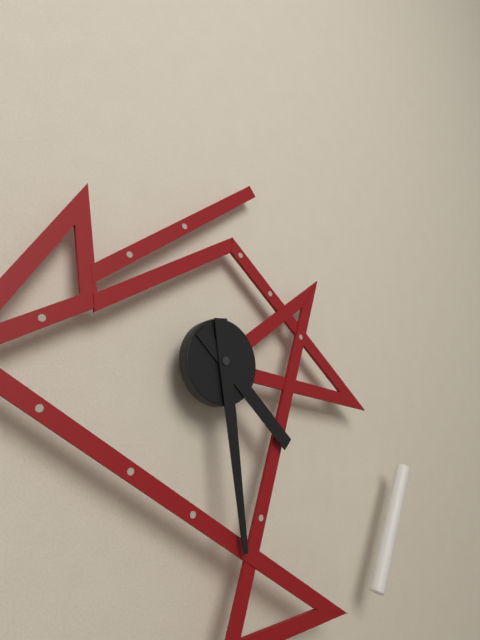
4:29
